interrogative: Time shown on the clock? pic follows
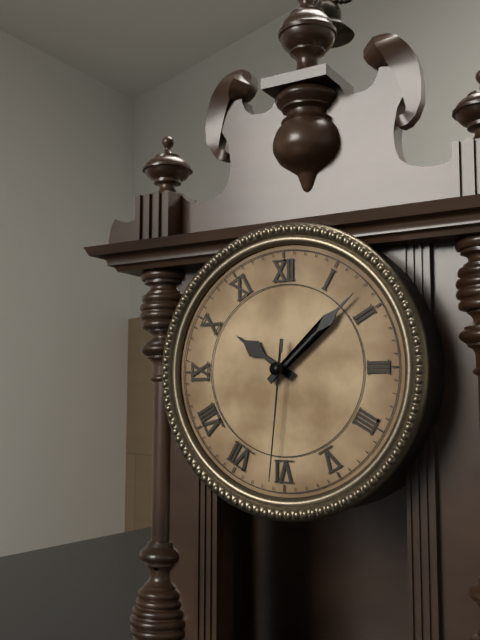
10:08:31
